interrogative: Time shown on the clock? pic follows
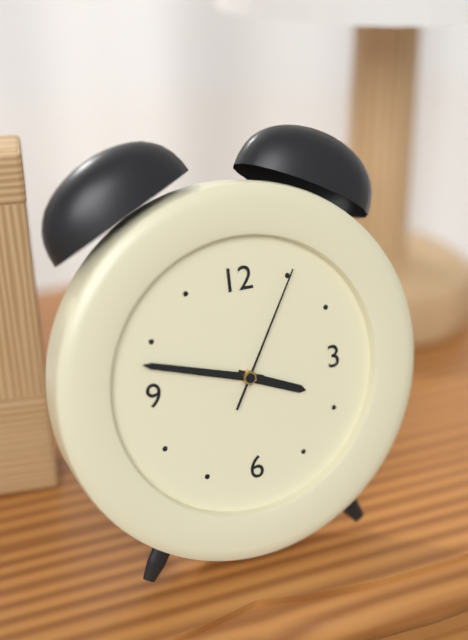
3:48:05
